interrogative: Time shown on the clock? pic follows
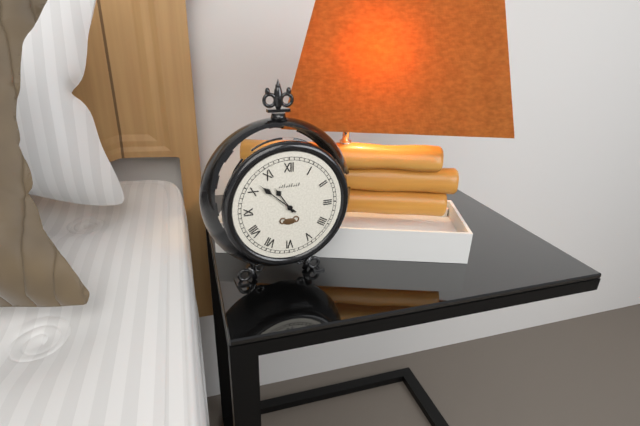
10:52
